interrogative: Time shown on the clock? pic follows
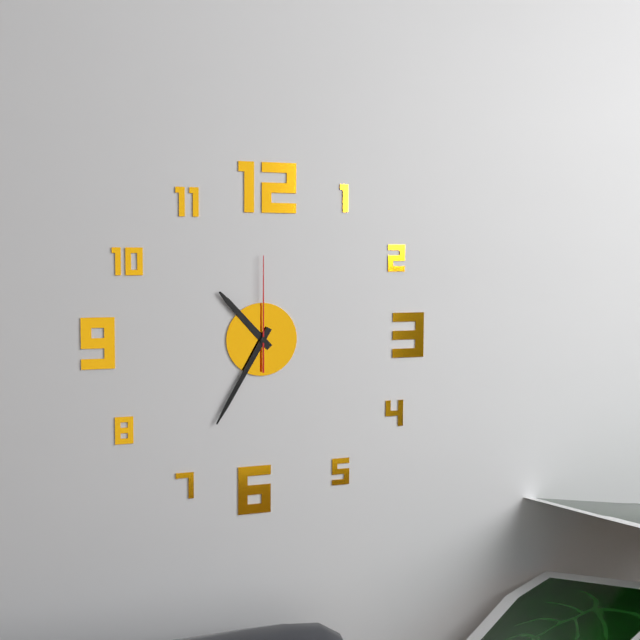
10:35:00
